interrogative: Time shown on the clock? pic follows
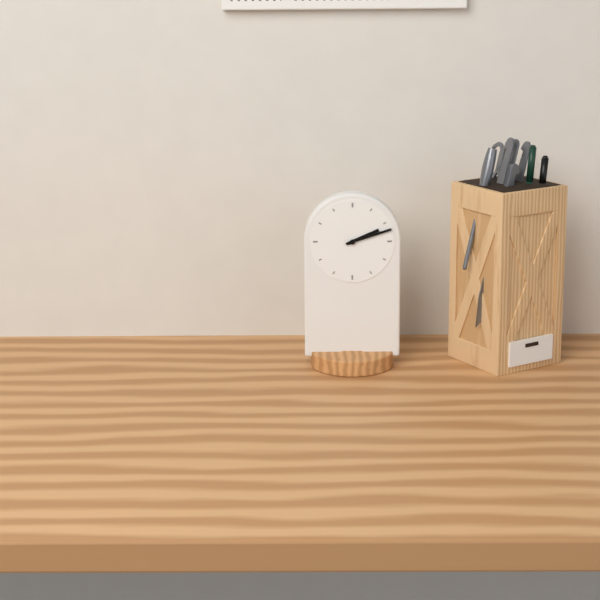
2:12
